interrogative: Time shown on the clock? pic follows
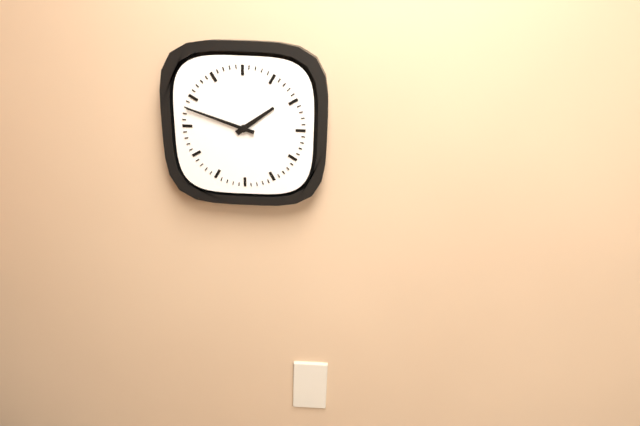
1:48
